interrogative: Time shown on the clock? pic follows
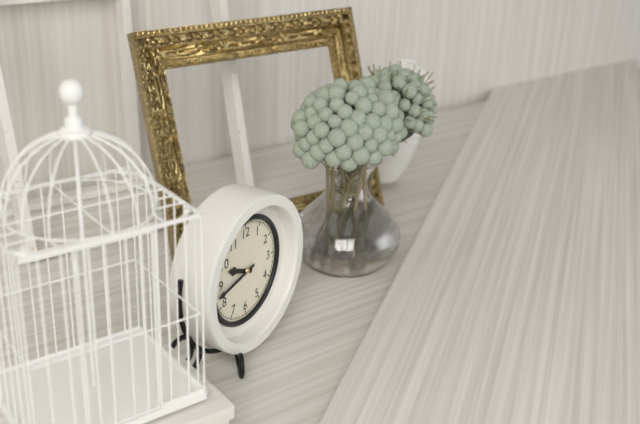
9:43
